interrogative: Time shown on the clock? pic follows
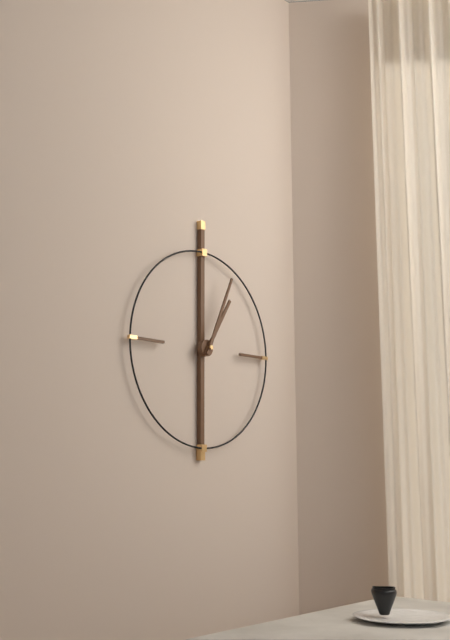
1:04
